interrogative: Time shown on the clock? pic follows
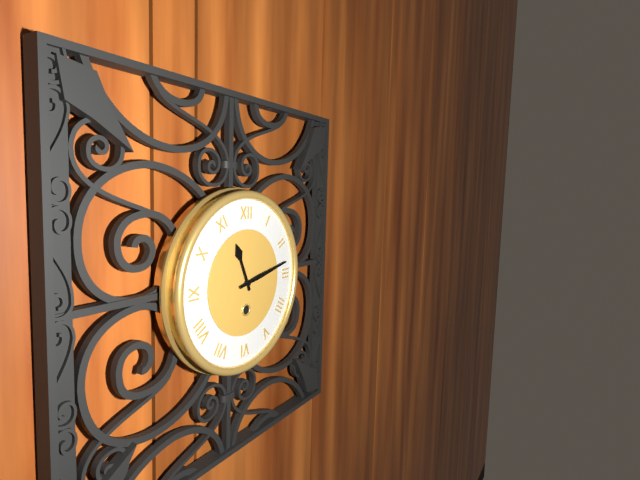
11:13
